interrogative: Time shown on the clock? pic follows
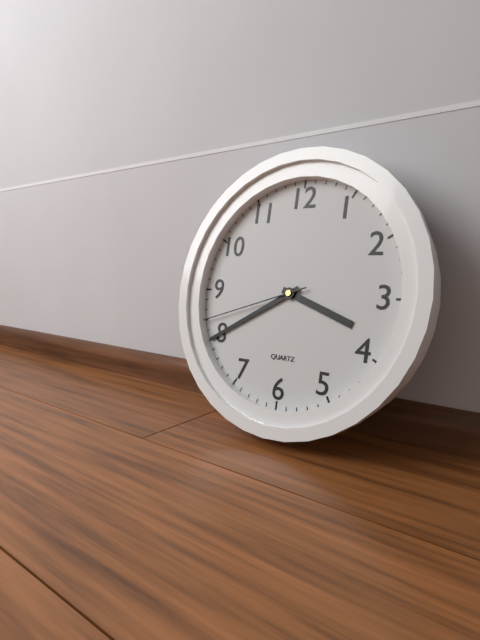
3:40:42
